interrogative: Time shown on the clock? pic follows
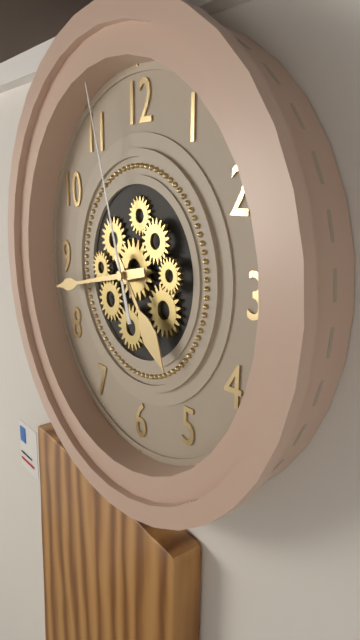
4:43:57
